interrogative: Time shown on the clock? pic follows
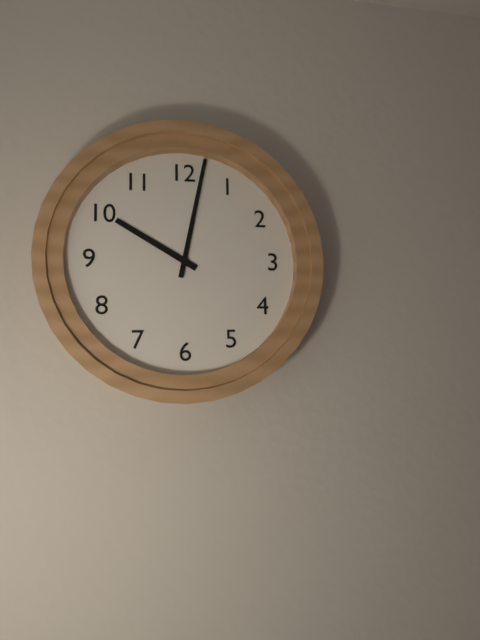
10:02
